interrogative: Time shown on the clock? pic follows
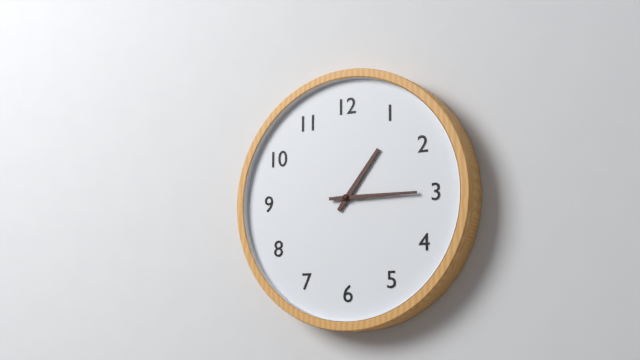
1:15
